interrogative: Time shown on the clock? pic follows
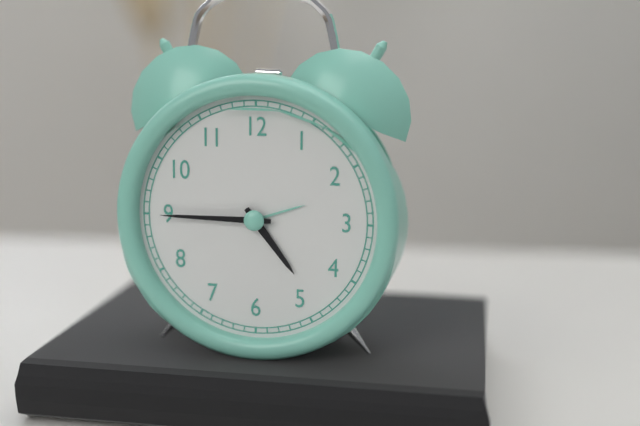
4:45
